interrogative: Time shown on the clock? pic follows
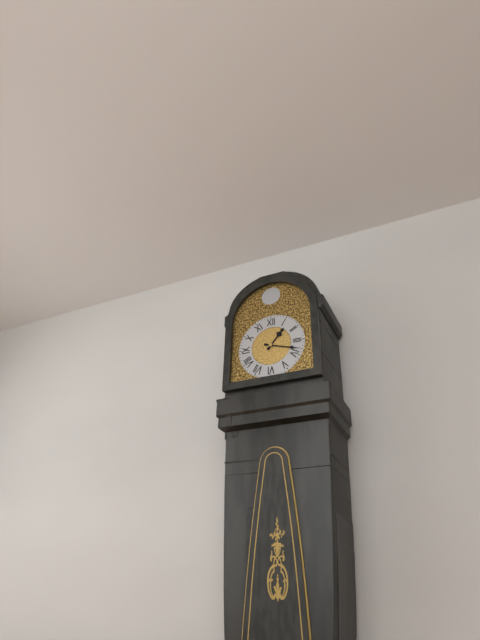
1:18
